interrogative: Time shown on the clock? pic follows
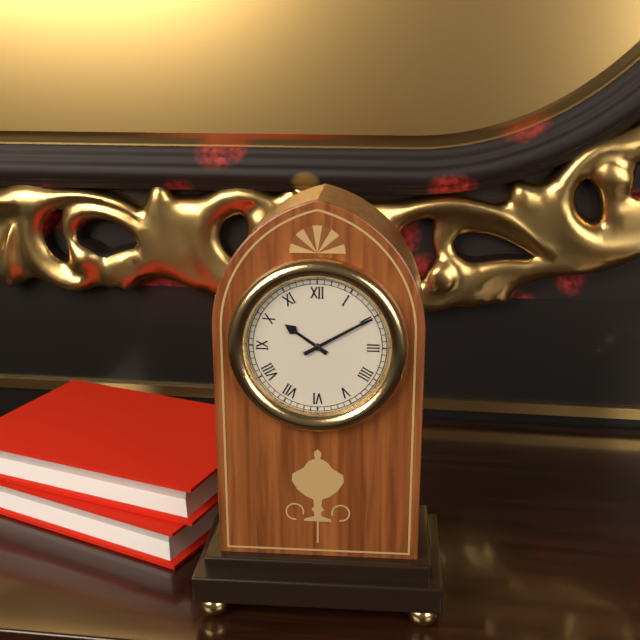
10:10
